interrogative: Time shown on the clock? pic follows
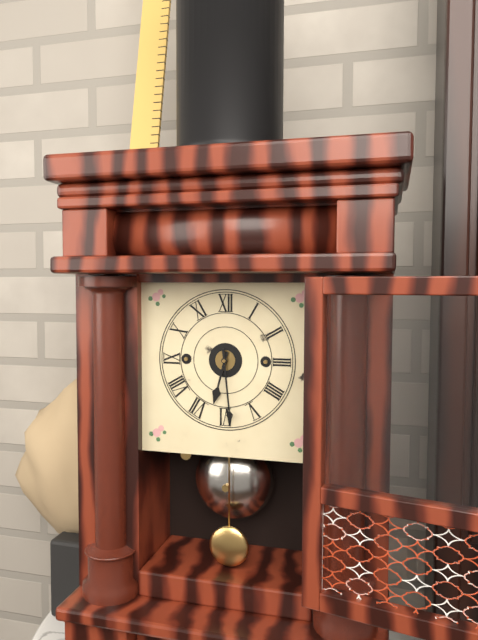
6:29
